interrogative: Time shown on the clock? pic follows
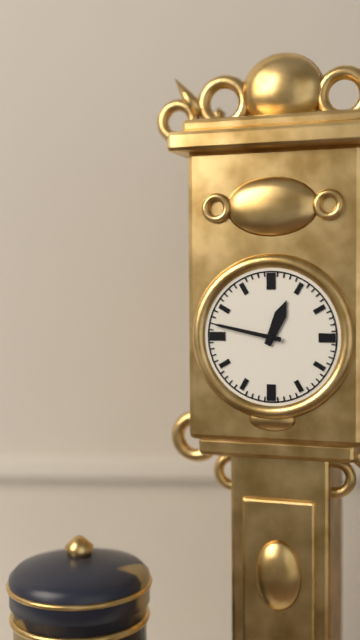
12:47
